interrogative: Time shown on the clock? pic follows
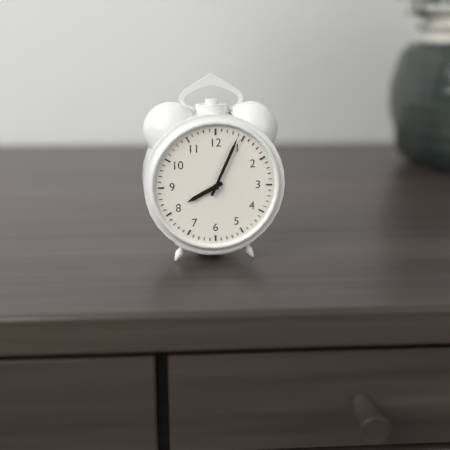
8:04
